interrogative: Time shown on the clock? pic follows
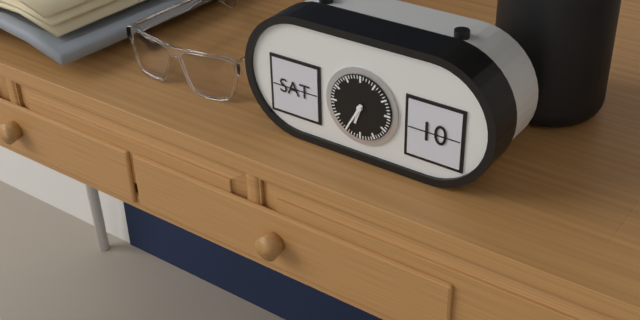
6:35
